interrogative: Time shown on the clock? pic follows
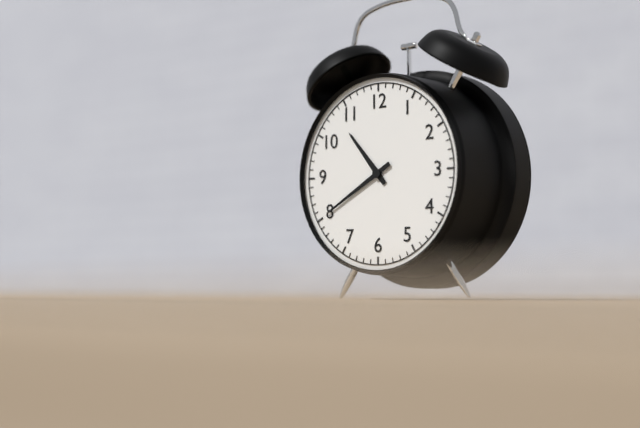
10:40
